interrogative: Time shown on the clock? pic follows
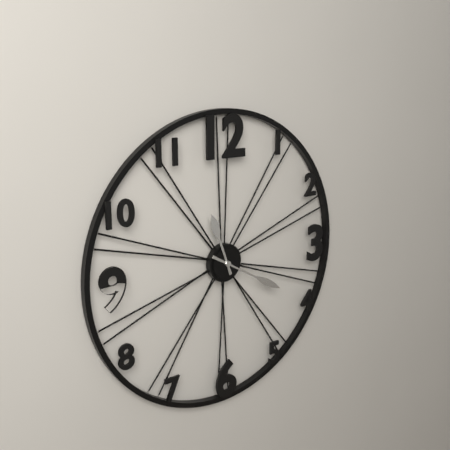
11:20
